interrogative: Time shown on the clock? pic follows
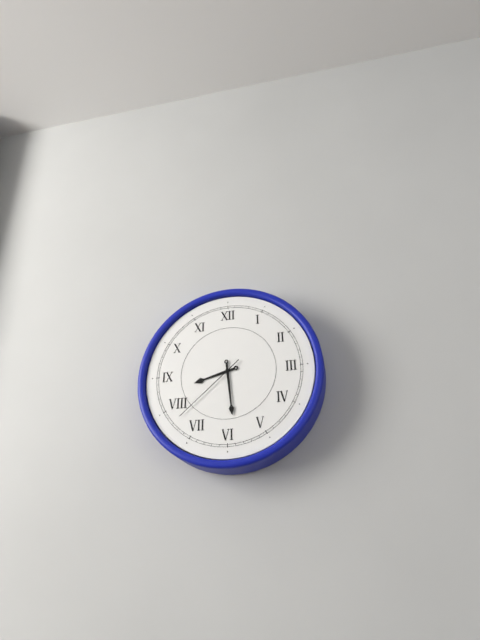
8:29:38
